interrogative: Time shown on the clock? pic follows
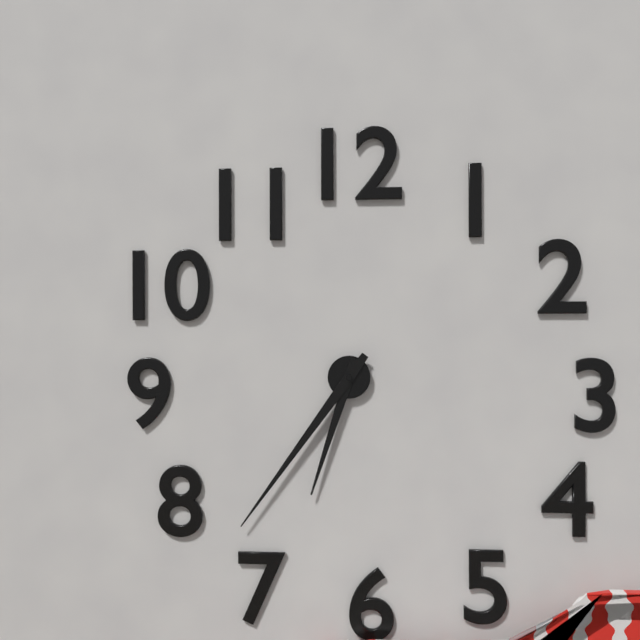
6:36
